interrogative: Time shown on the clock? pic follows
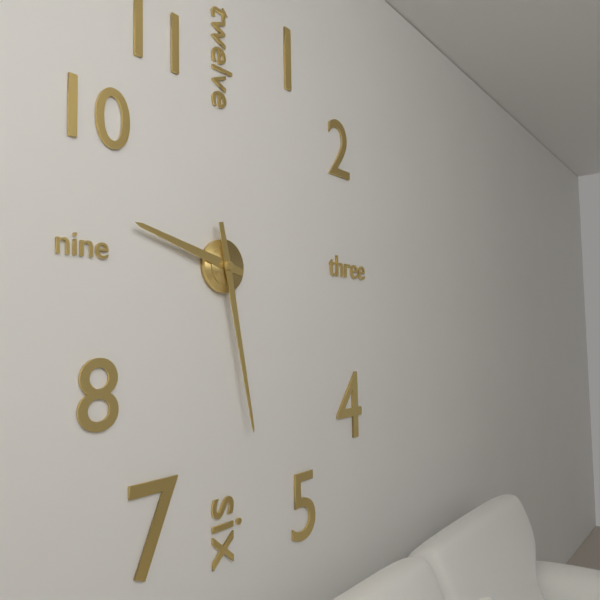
9:28
